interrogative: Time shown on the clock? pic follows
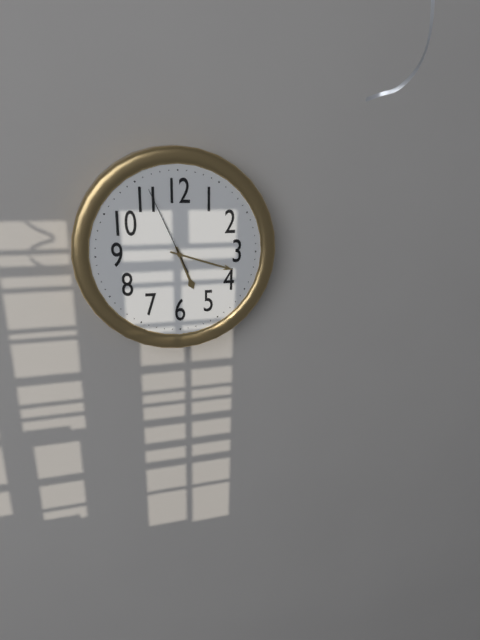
5:18:56
